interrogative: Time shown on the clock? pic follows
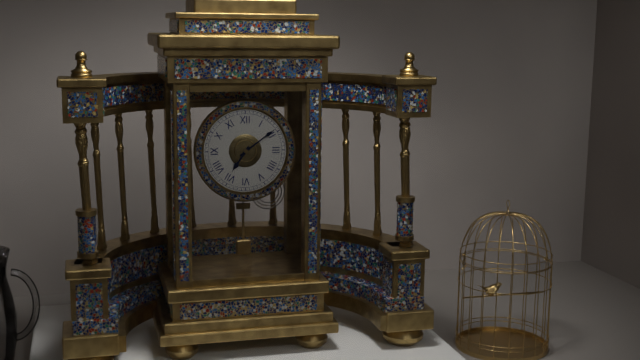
7:09
